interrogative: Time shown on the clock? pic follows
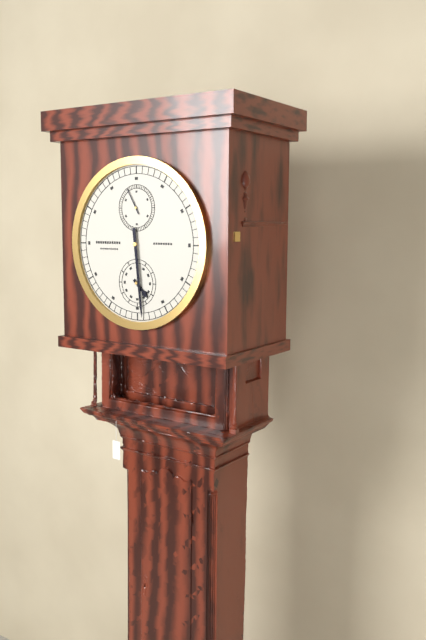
4:29
